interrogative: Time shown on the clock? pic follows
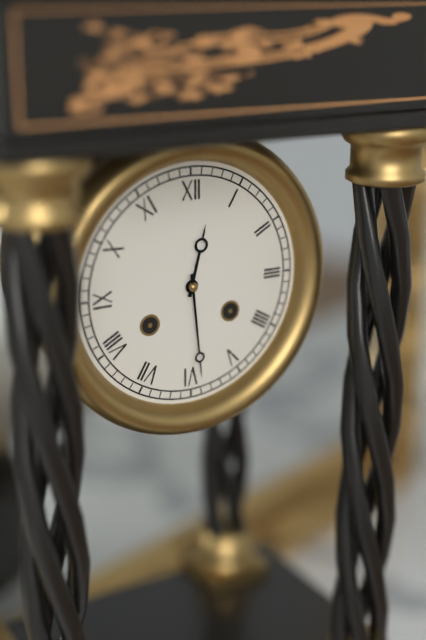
12:29
